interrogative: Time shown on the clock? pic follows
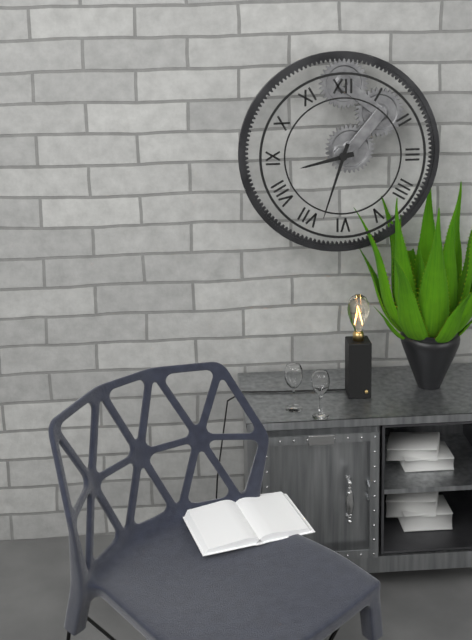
8:33
